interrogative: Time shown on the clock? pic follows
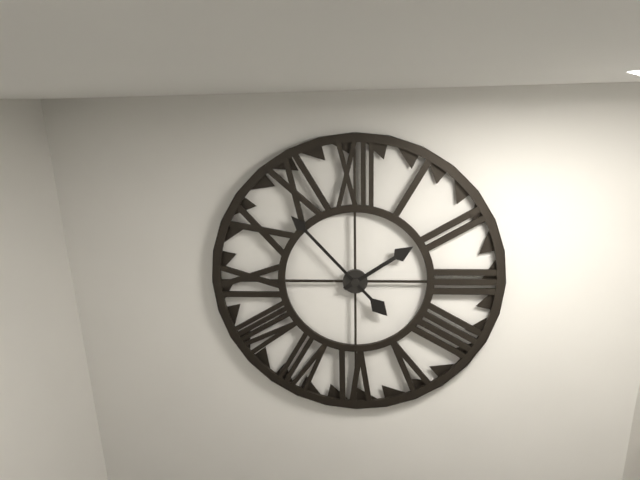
1:53
